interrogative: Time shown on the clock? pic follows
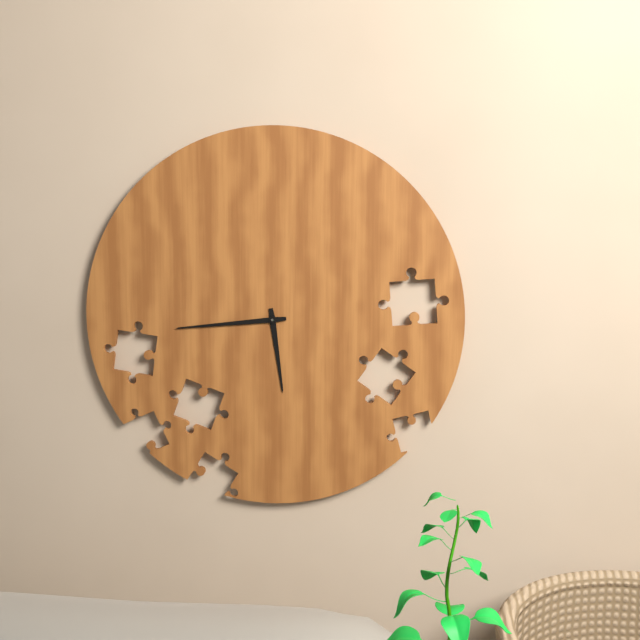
5:44
